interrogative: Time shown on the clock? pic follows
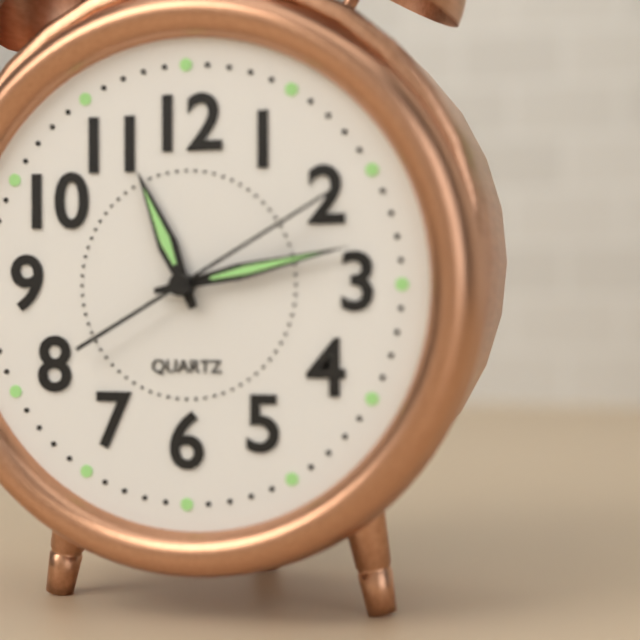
11:13:10
